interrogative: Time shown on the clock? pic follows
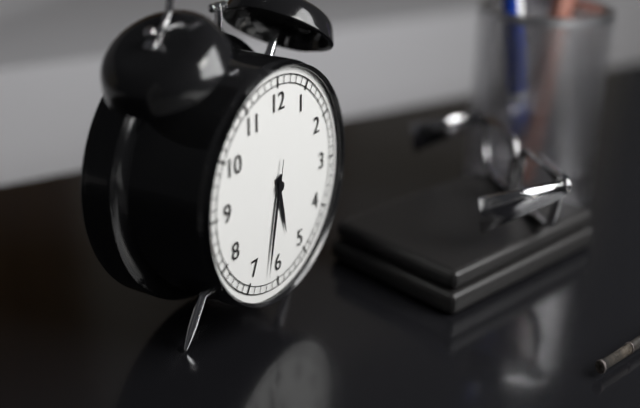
5:32:32
